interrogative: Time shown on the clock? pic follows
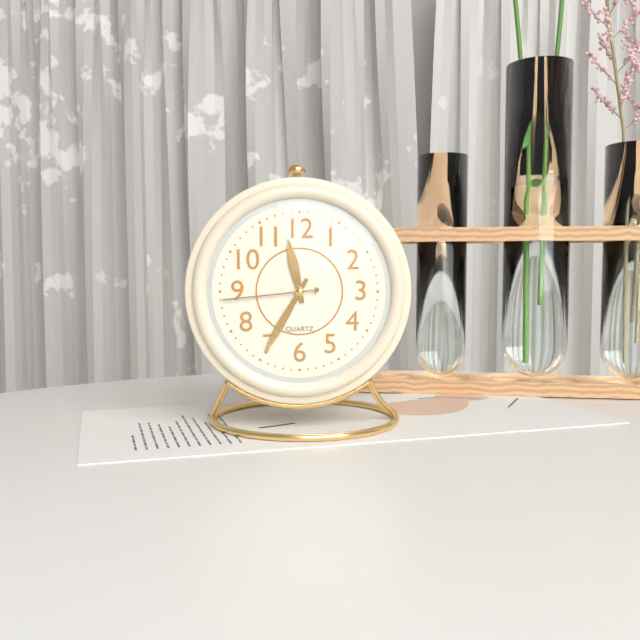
11:35:44
